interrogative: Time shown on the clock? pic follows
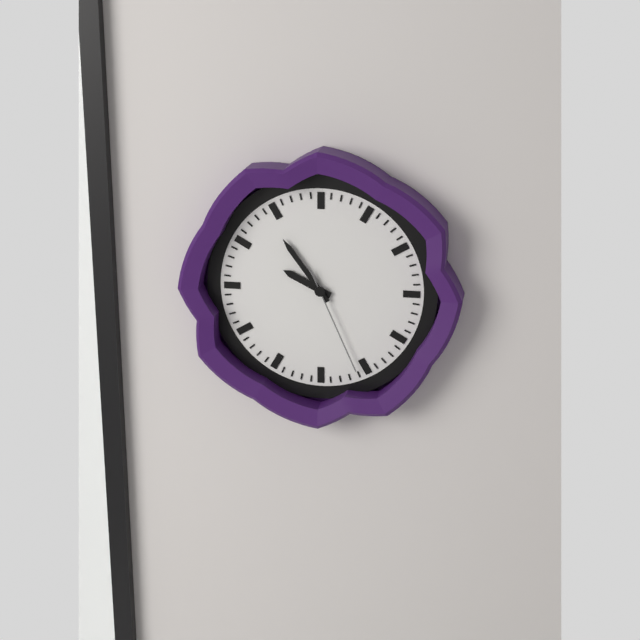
9:54:26
